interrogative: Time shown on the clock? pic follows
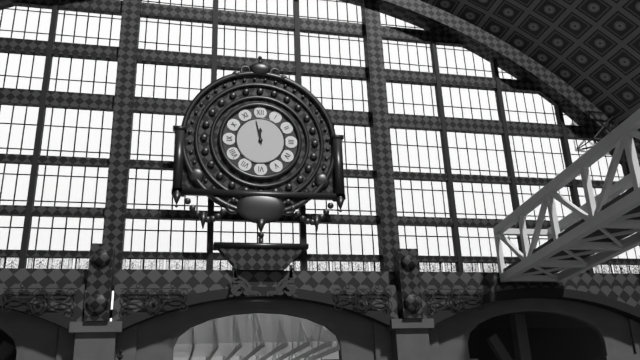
11:58
